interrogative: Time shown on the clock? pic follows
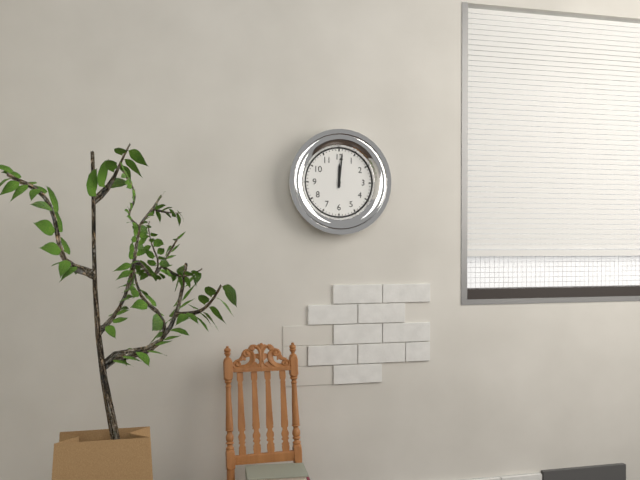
12:01
